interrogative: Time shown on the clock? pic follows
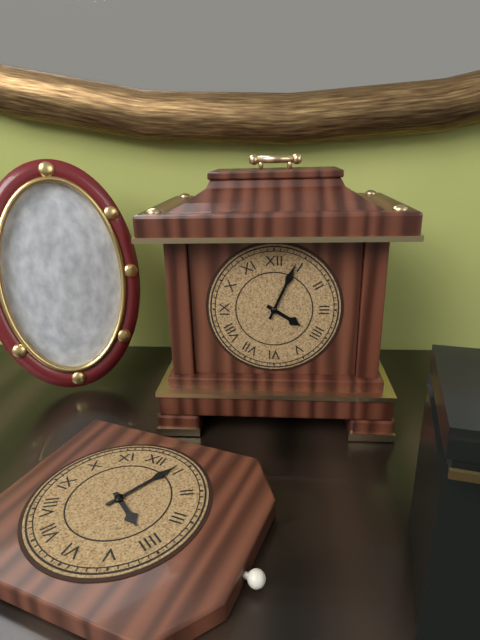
4:04
